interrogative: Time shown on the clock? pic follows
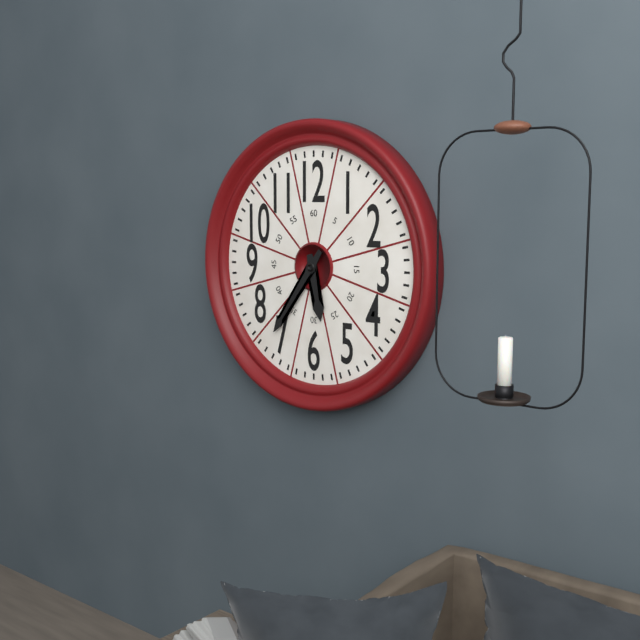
5:36
